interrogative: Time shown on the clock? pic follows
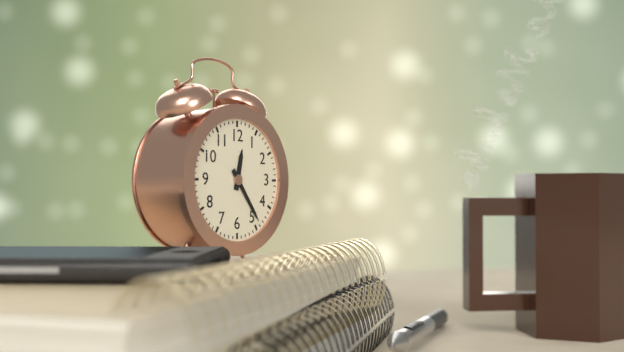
12:24
